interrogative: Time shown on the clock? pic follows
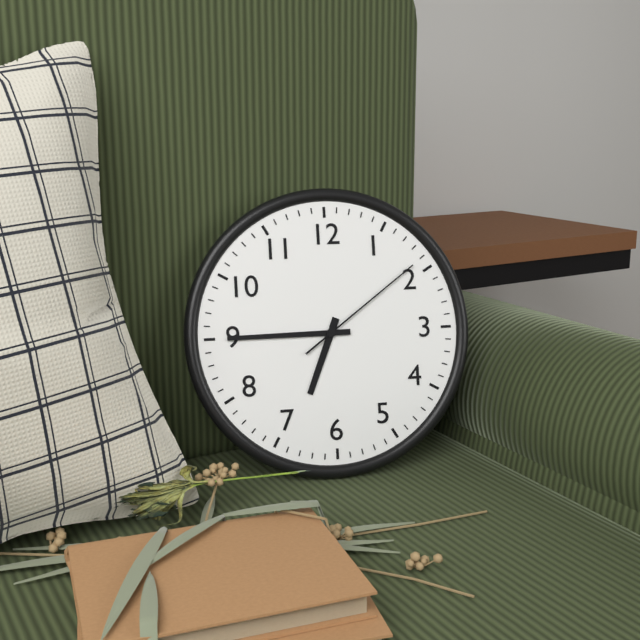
6:45:09
